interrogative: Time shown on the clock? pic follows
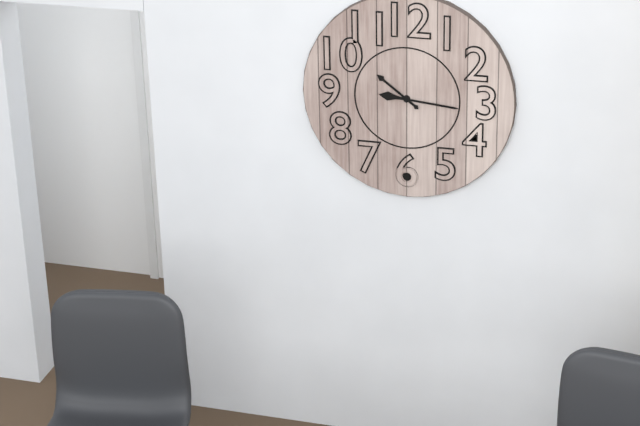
10:16
